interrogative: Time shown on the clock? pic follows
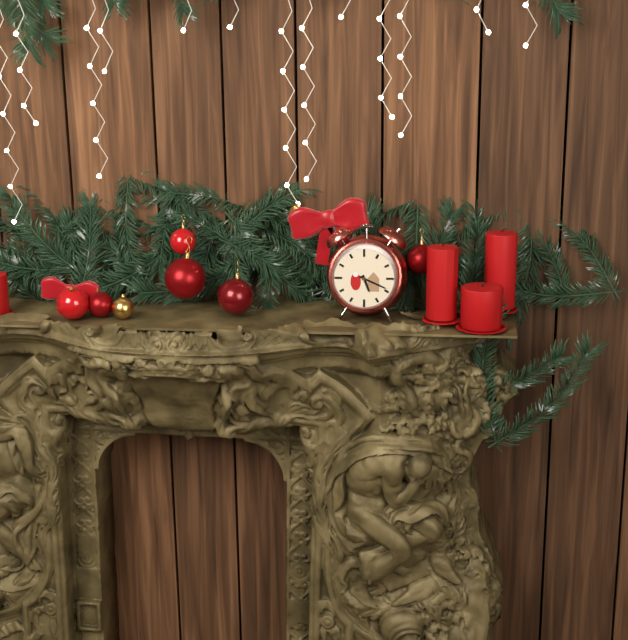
5:19
